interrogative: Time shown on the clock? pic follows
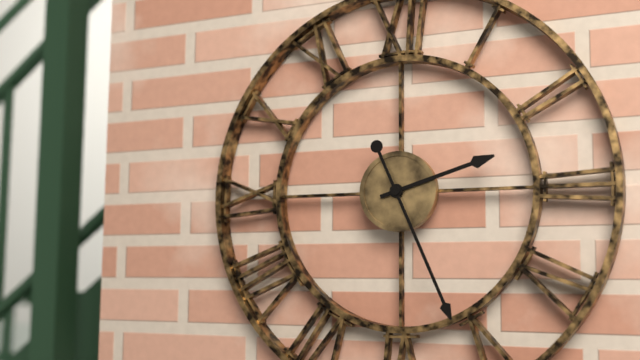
2:26
